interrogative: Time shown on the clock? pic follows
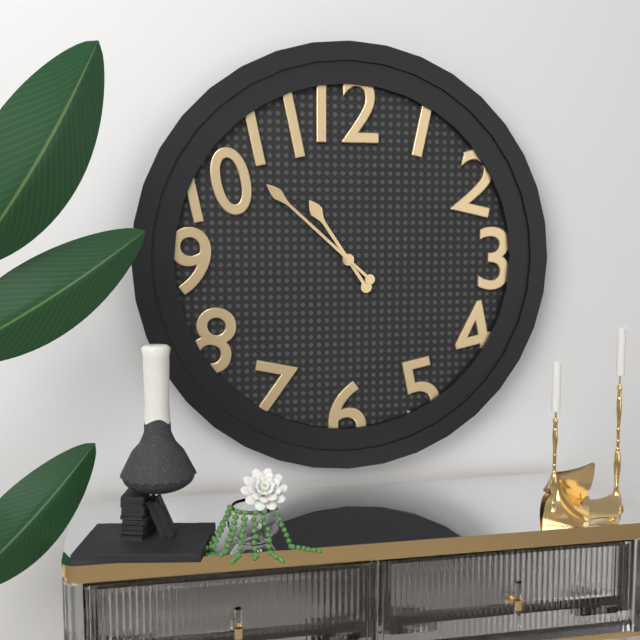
10:52
